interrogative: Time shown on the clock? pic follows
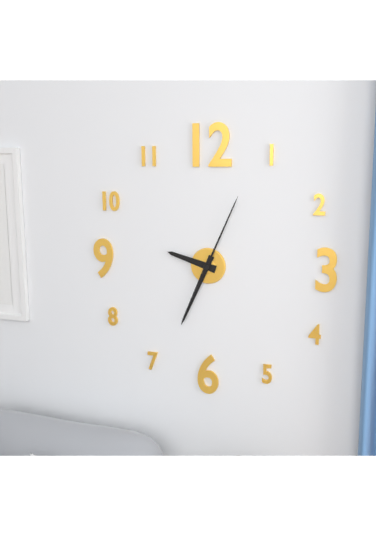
9:34:04
